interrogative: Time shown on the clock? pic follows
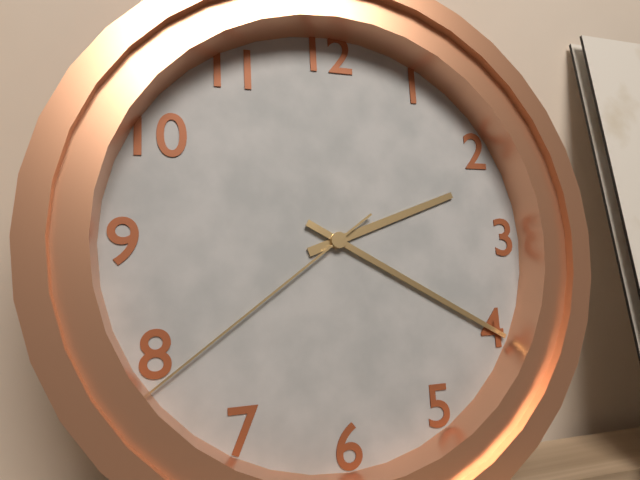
2:20:39
